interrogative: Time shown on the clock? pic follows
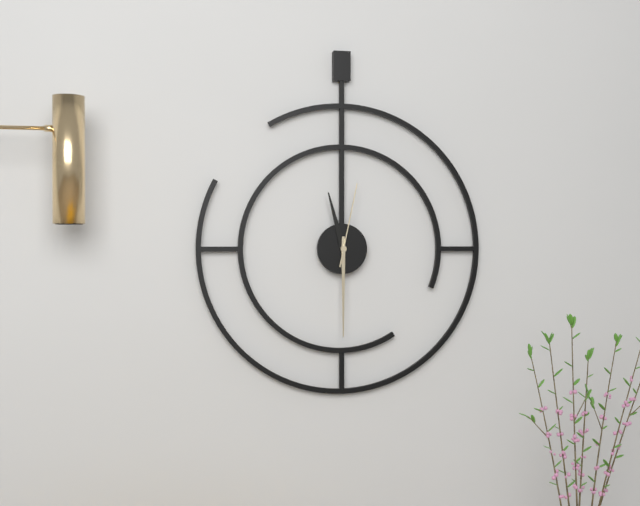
11:30:02
